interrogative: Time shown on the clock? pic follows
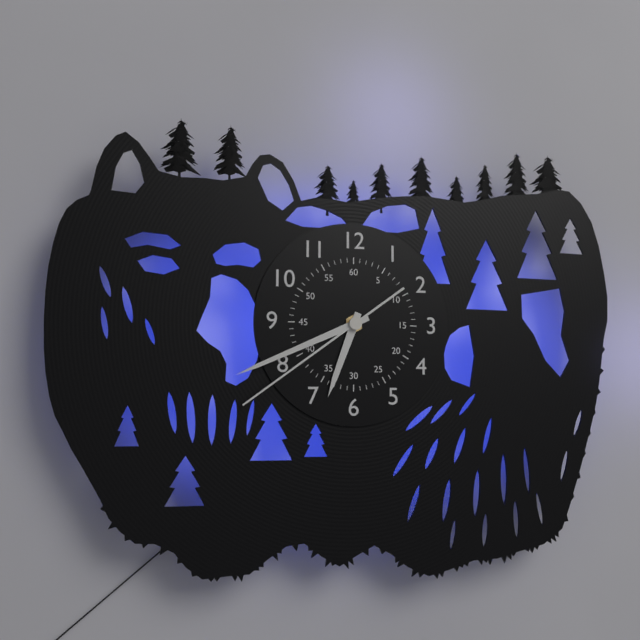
6:41:39
